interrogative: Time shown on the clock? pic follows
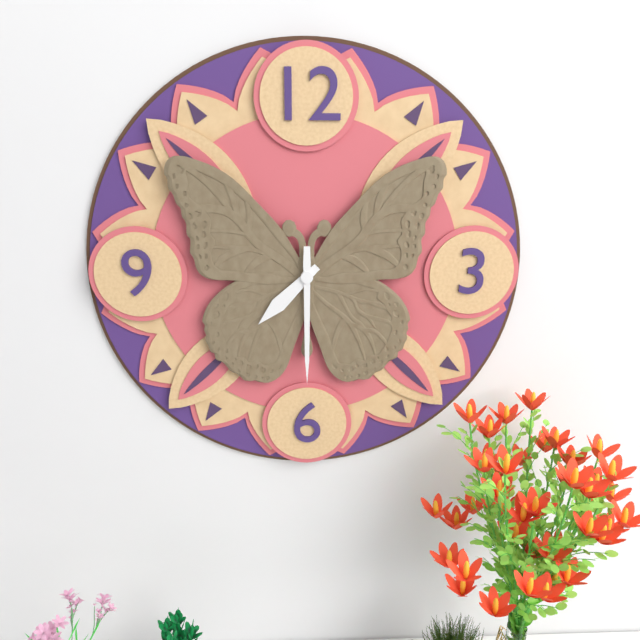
7:30
